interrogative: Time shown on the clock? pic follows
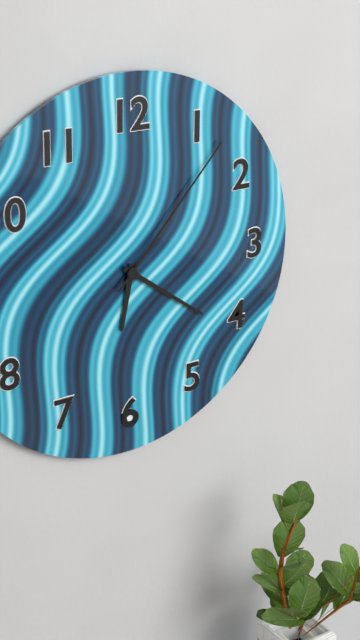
6:21:07
